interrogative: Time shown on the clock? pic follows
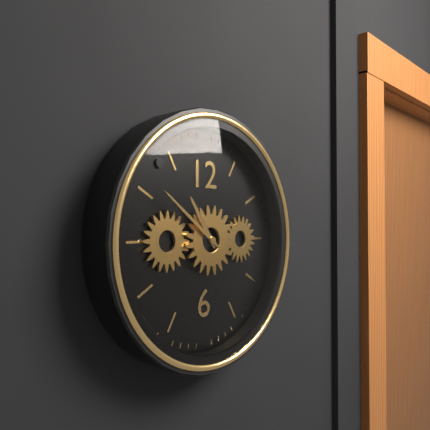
10:51
